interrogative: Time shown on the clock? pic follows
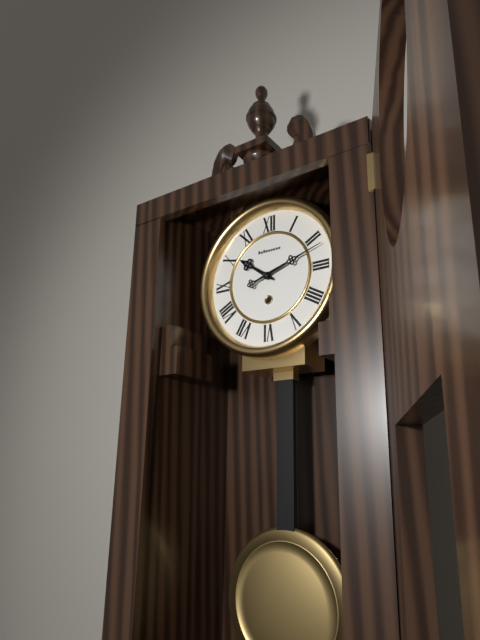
10:12
